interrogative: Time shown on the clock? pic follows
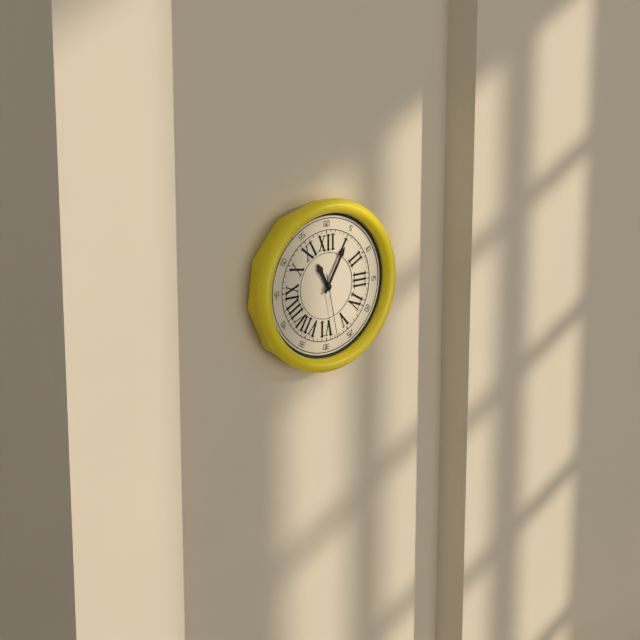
11:05:28
